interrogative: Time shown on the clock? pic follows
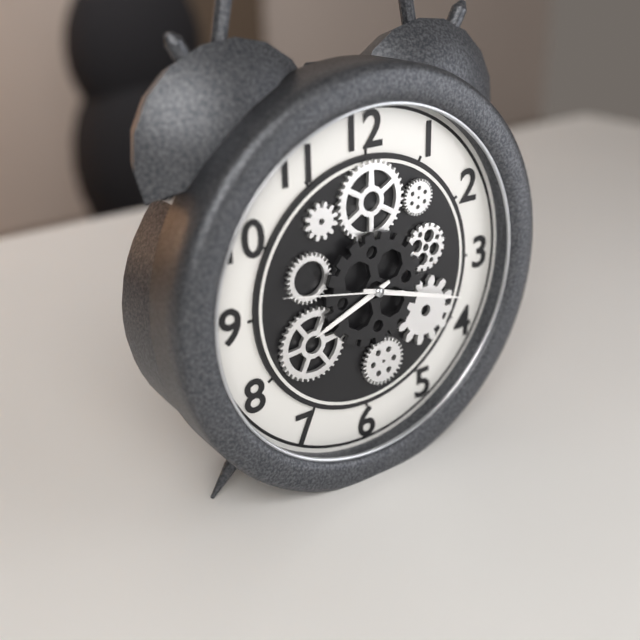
8:18:47
